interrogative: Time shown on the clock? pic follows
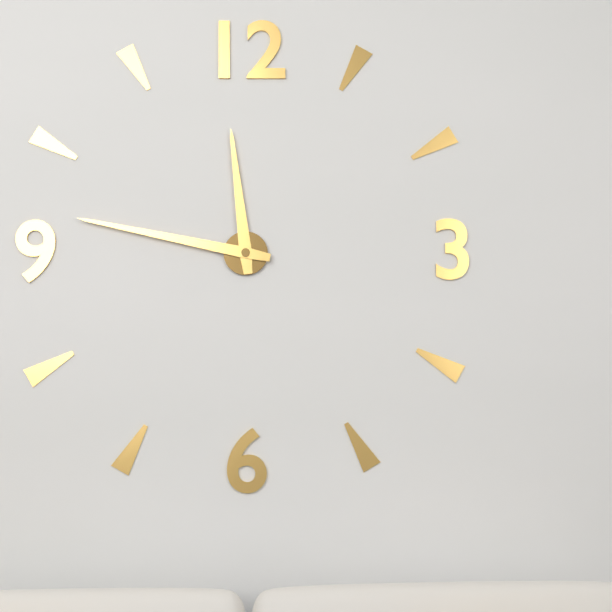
11:47
